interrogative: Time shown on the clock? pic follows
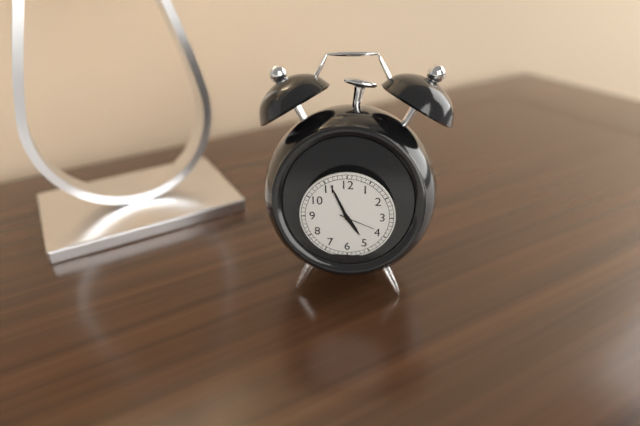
4:56
